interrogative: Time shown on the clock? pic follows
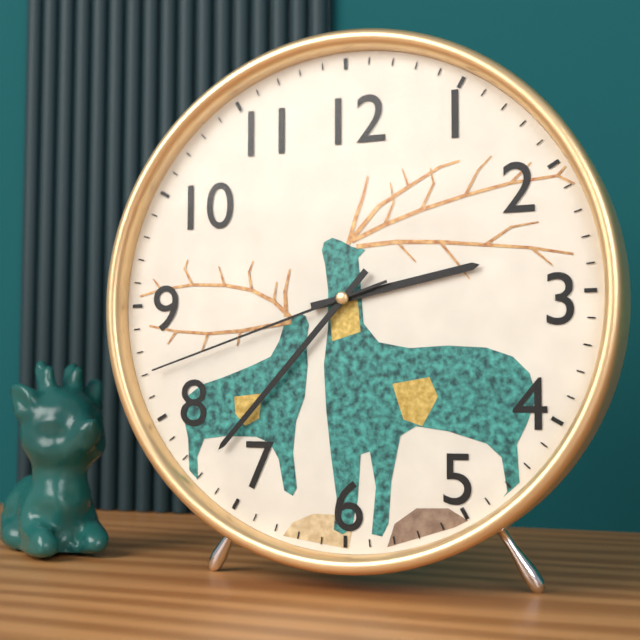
2:37:42
